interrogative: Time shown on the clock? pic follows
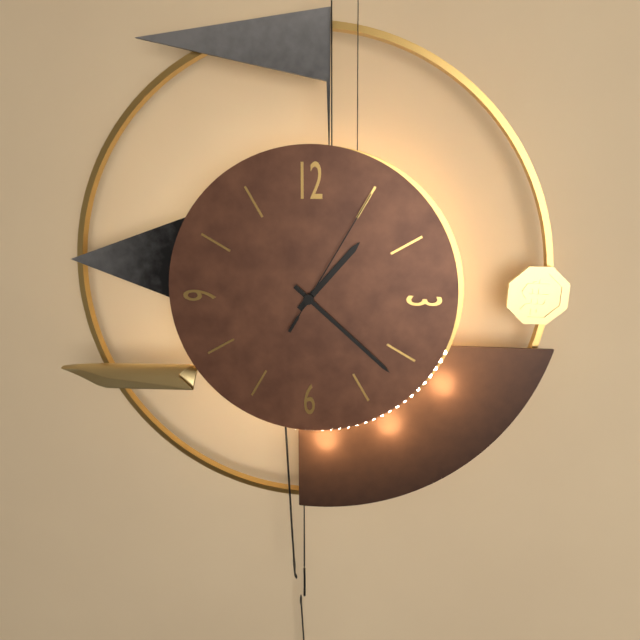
1:22:05
